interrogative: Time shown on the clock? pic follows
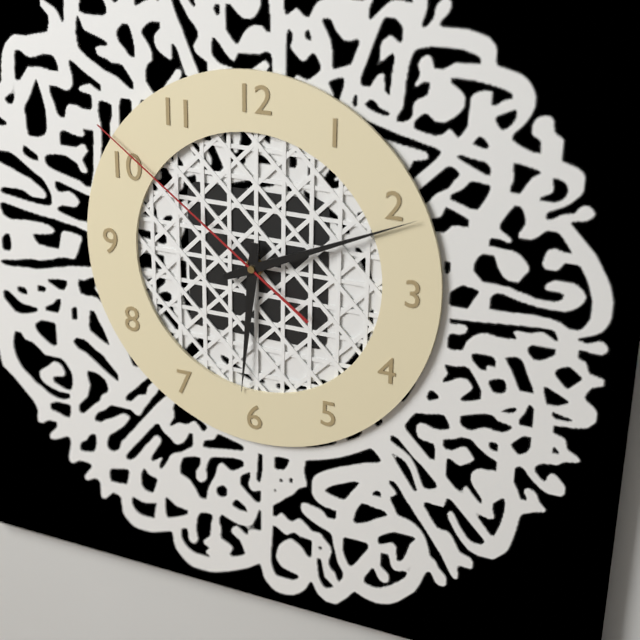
6:11:51
